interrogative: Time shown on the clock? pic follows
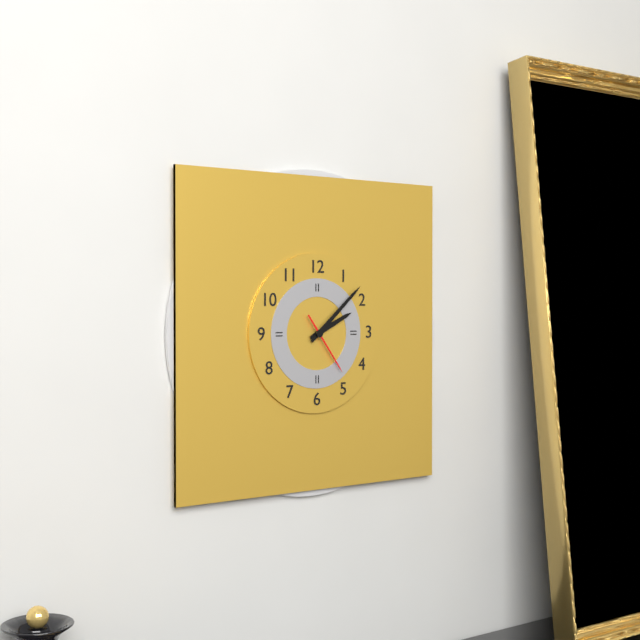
2:08:24
